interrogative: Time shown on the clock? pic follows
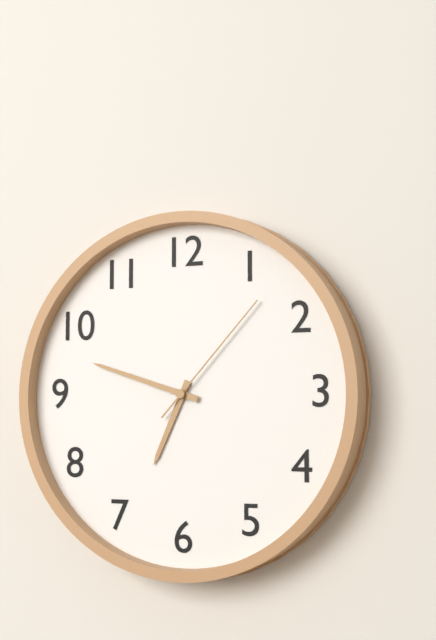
6:48:07
